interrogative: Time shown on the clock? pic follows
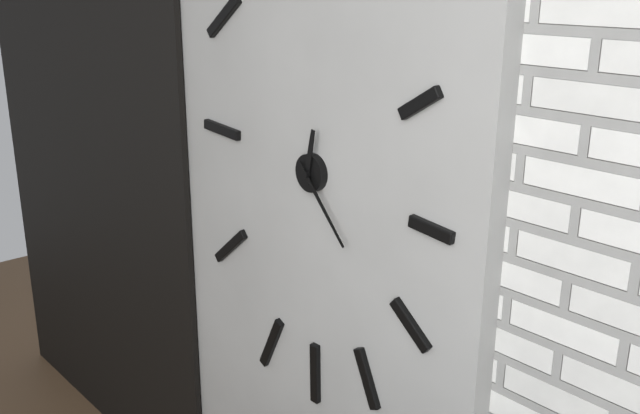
12:23
